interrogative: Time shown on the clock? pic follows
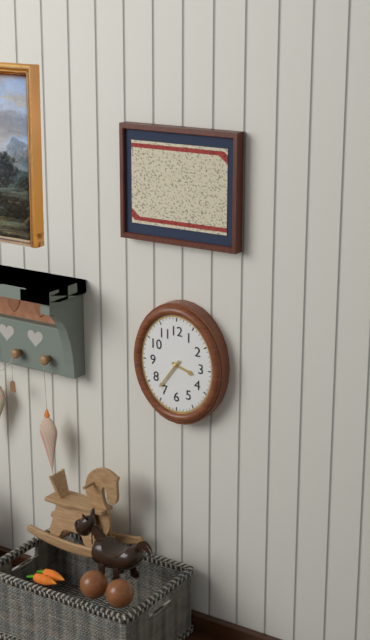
3:36
